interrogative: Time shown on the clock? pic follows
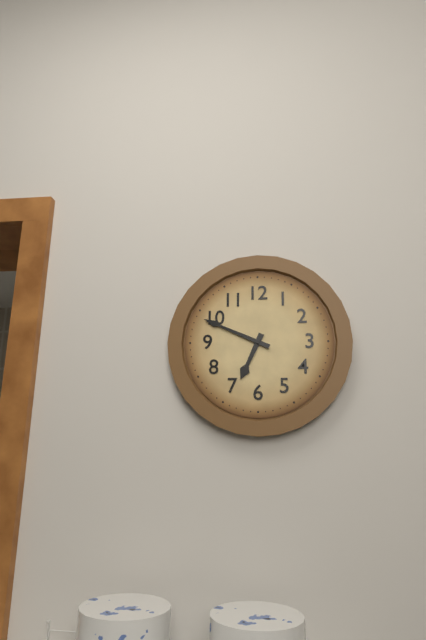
6:49
